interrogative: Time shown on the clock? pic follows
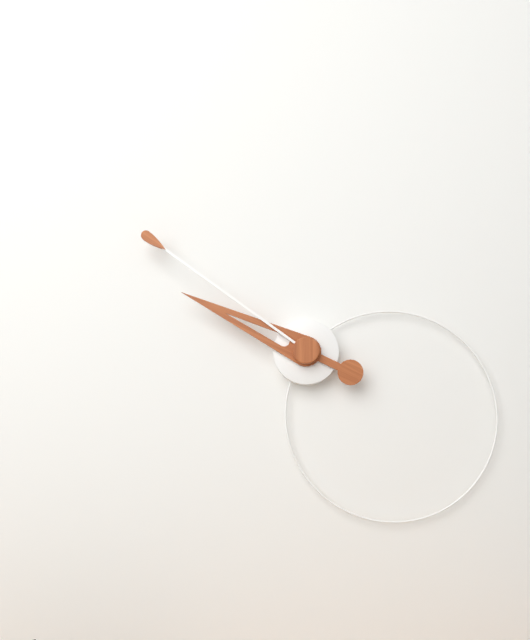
9:51
